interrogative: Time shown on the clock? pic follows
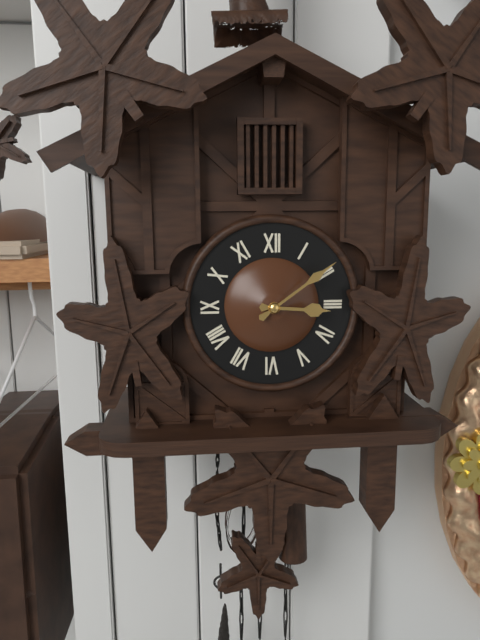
3:09
